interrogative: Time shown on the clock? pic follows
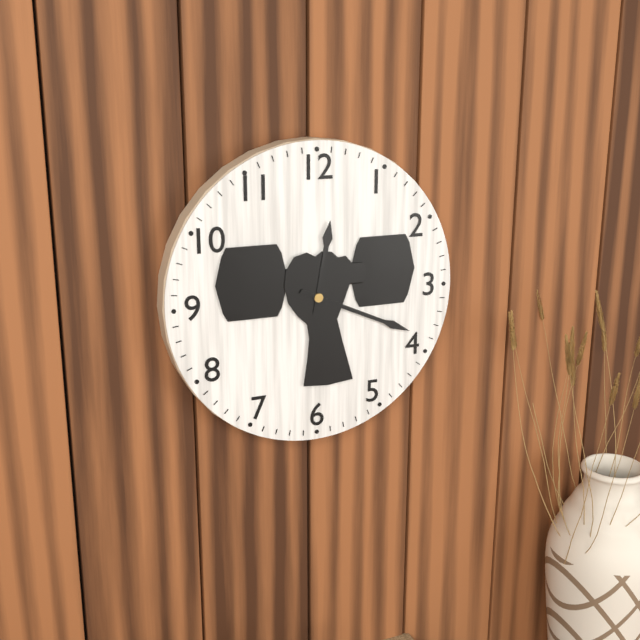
12:19
